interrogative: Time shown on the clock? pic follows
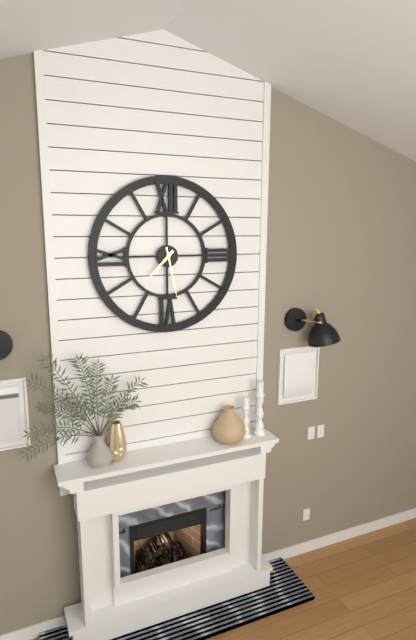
7:28
